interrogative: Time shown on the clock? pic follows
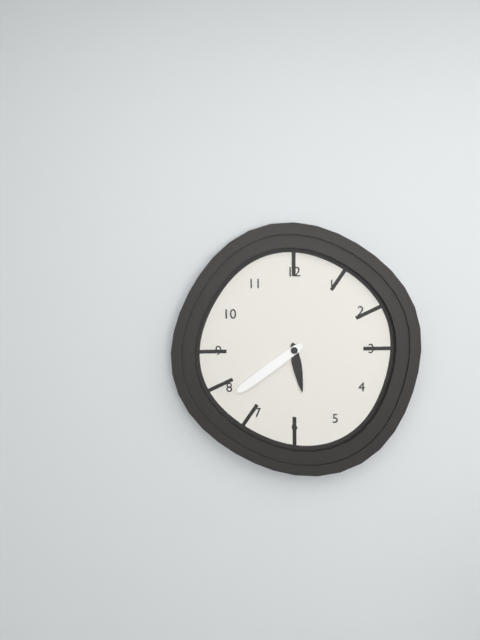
5:39
